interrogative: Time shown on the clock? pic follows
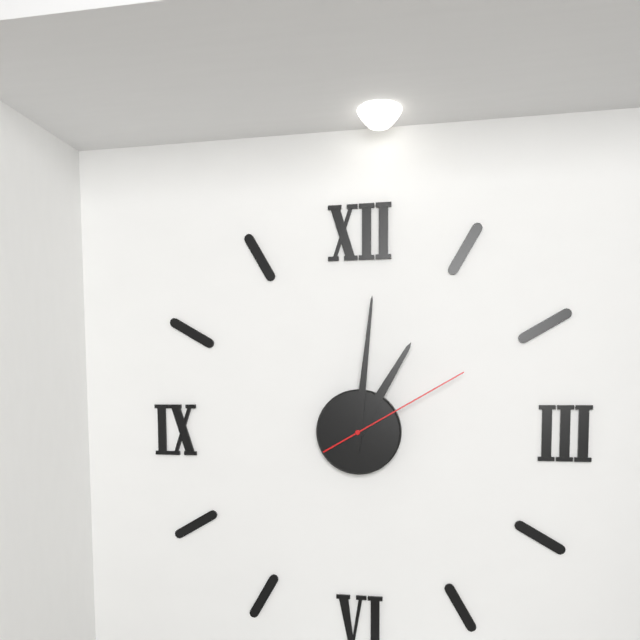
1:01:10
